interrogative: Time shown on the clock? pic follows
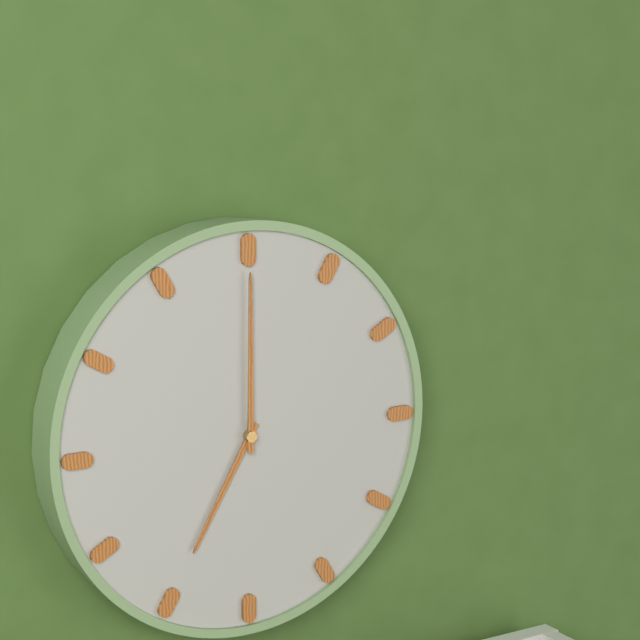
7:00
